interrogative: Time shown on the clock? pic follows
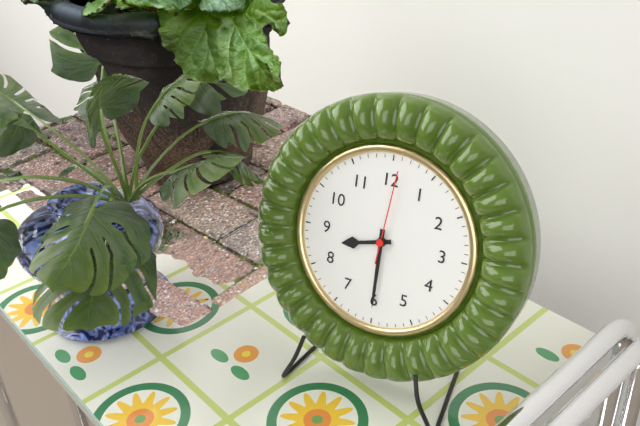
8:30:01
